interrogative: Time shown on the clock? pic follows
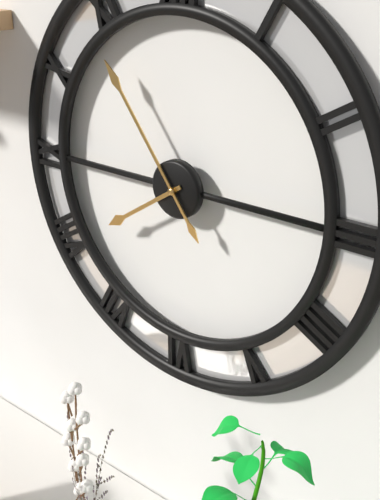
7:54
